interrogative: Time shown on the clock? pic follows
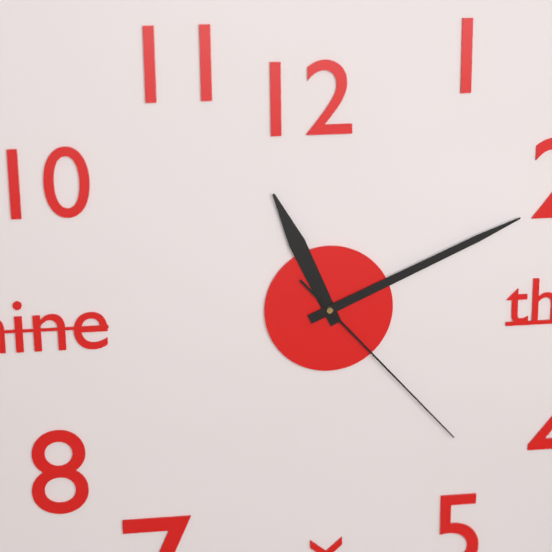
11:11:23
